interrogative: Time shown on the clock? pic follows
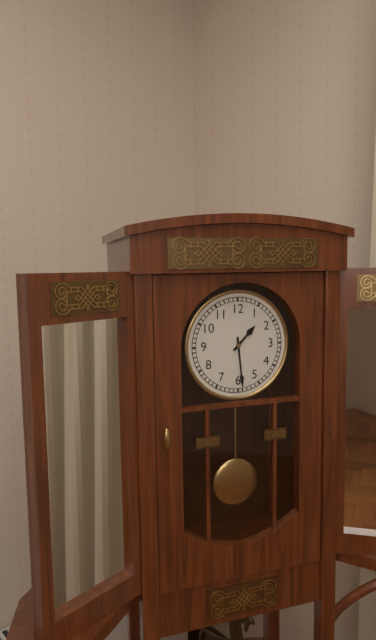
1:29
